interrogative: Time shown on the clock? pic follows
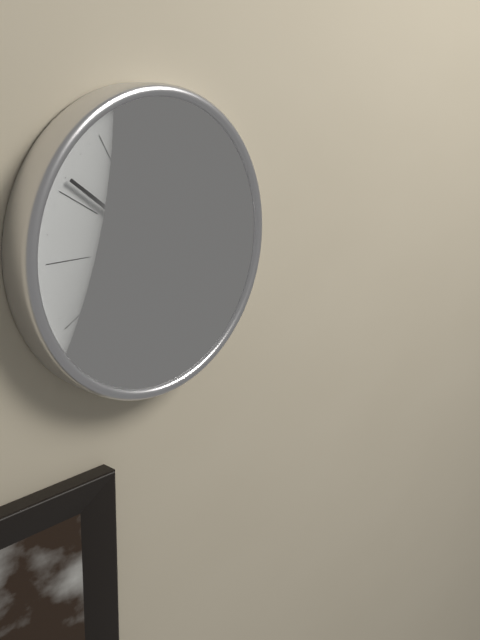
6:51
